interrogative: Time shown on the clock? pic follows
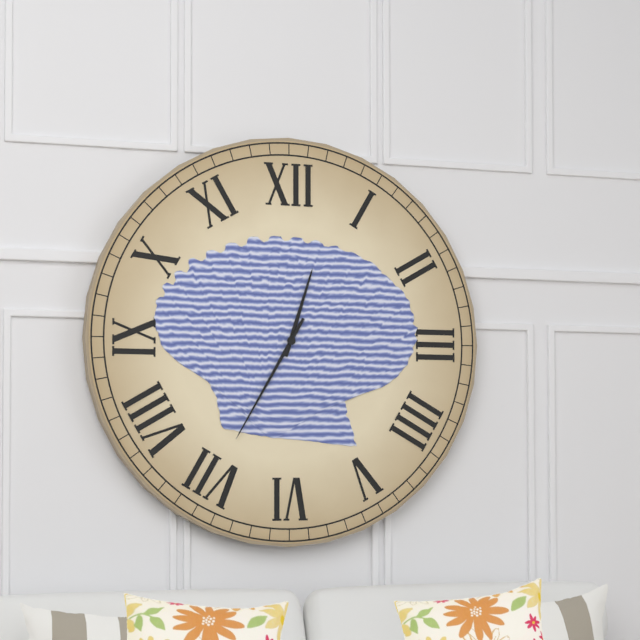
12:35
